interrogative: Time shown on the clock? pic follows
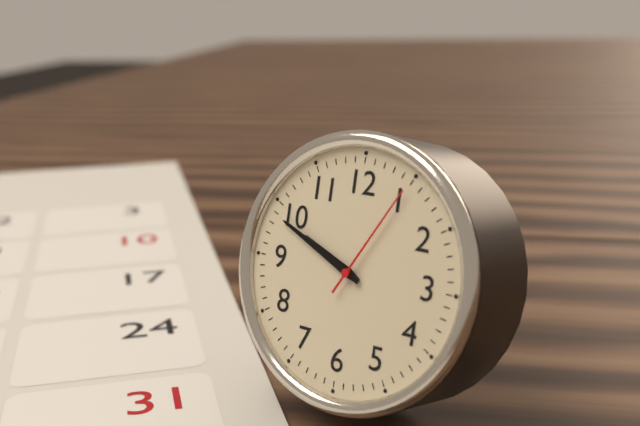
9:49:05
